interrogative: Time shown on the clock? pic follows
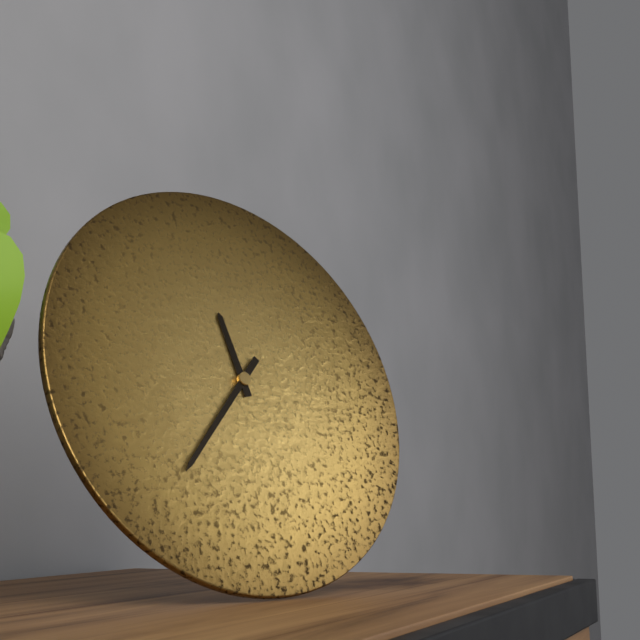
11:37
